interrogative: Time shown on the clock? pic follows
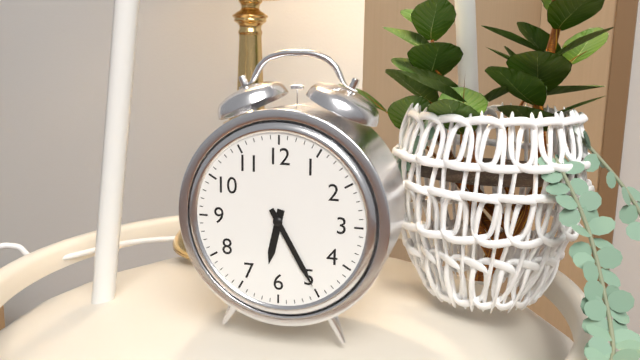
6:25
